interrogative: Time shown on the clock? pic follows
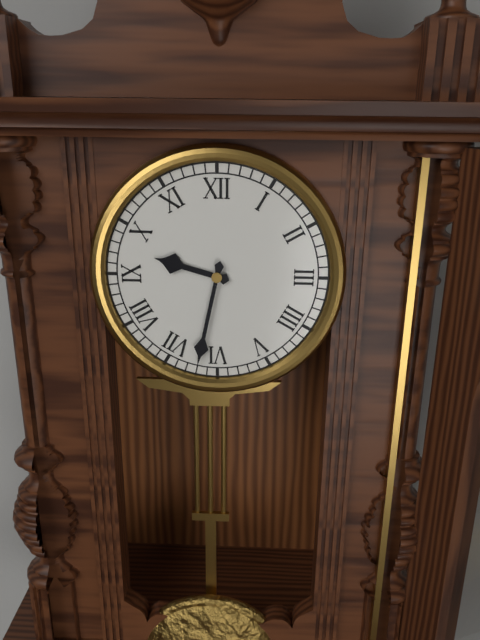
9:32
